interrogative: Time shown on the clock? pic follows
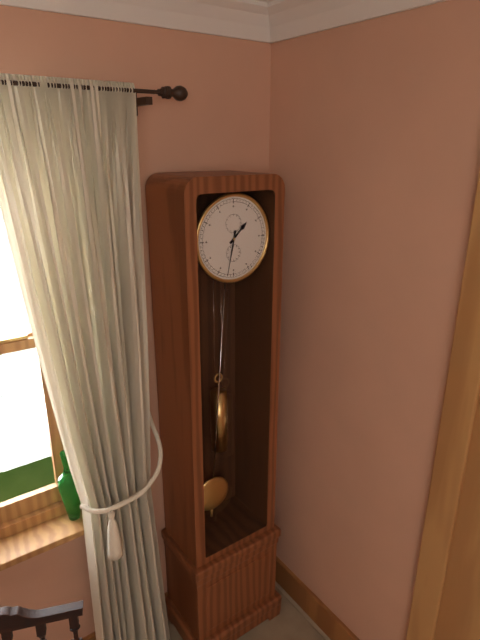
1:32
